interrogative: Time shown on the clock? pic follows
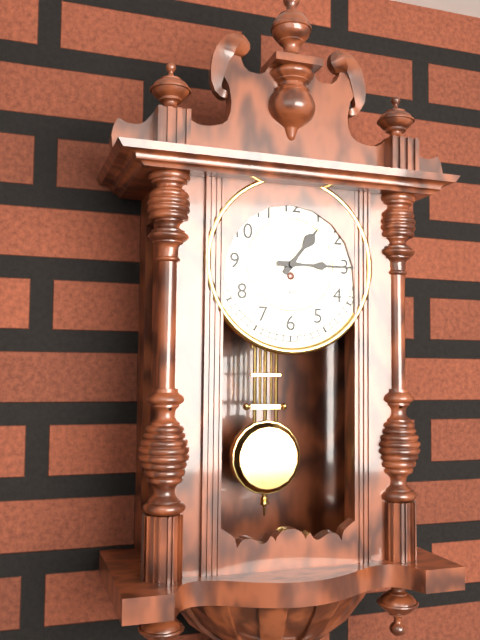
1:15
